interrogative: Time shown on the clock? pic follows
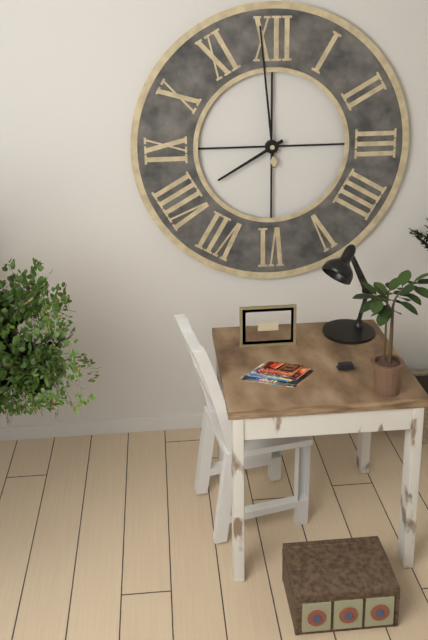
7:59
